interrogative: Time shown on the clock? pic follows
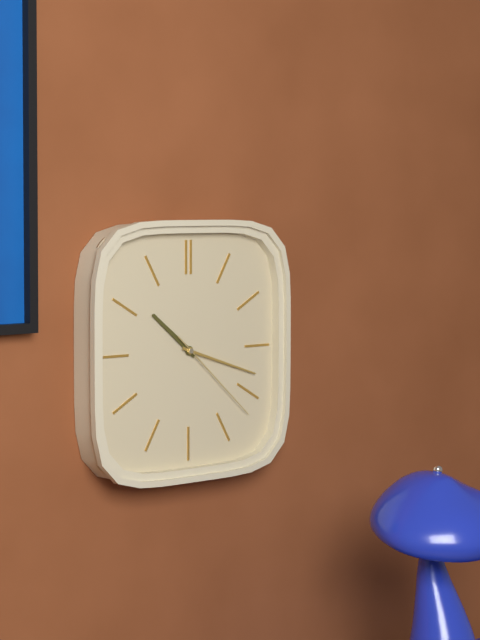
10:18:22
